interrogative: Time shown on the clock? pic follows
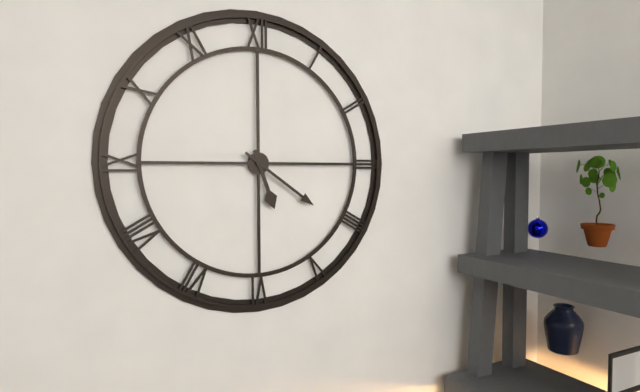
5:21
